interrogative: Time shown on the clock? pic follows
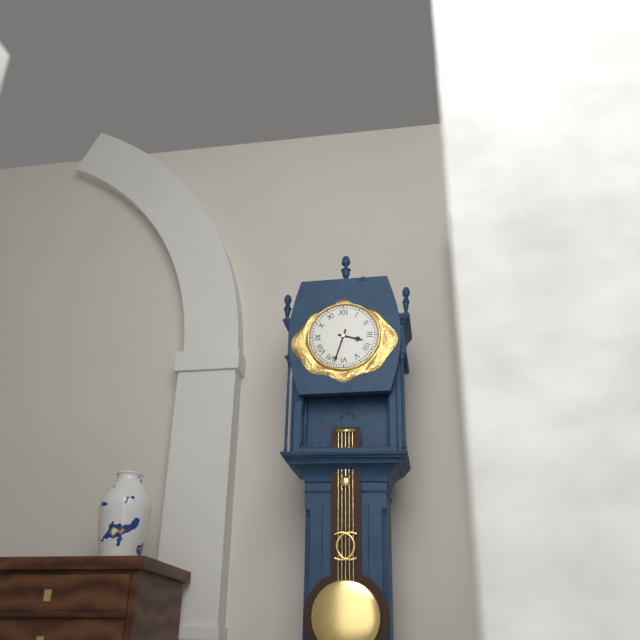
3:33
